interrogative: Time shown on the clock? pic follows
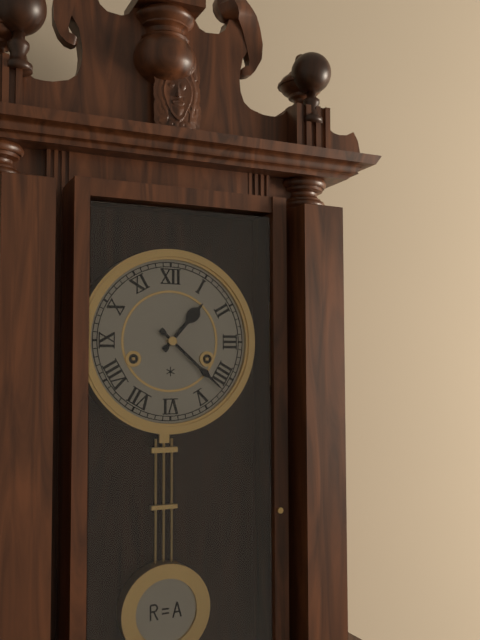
1:22
